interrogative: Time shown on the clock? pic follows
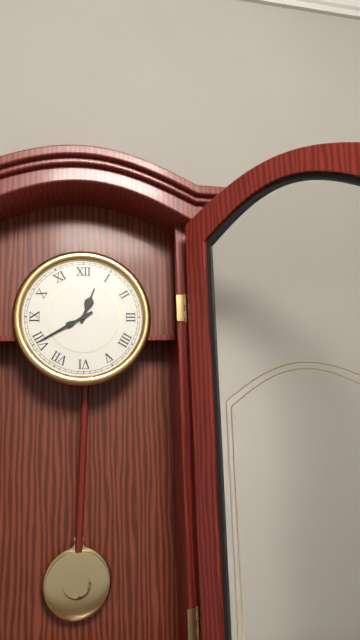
12:40
